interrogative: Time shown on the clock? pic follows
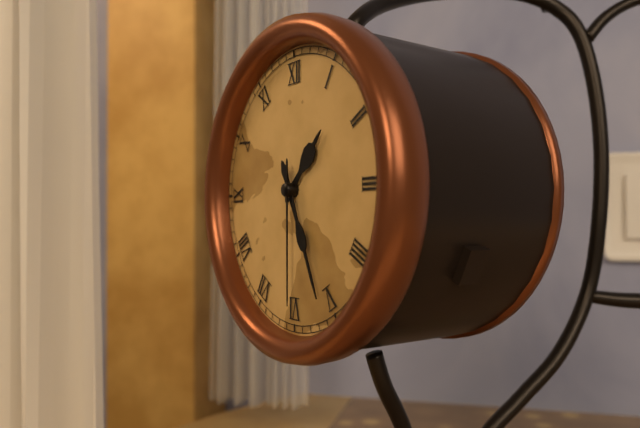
1:26:30
